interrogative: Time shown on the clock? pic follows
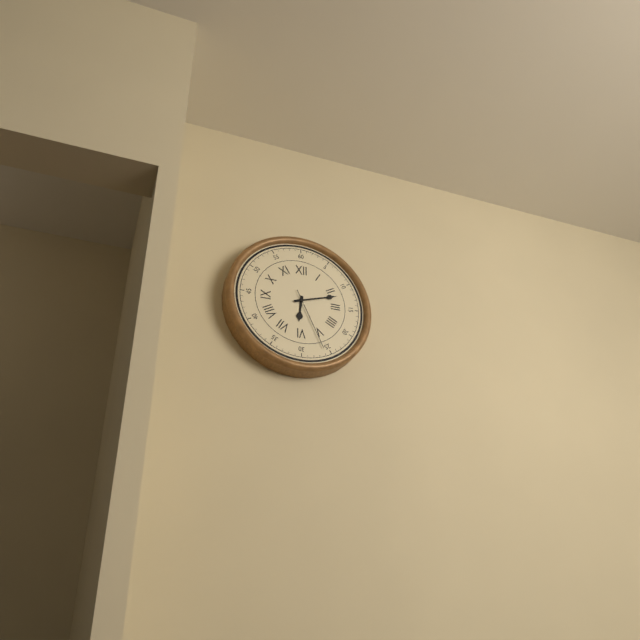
6:12:26
